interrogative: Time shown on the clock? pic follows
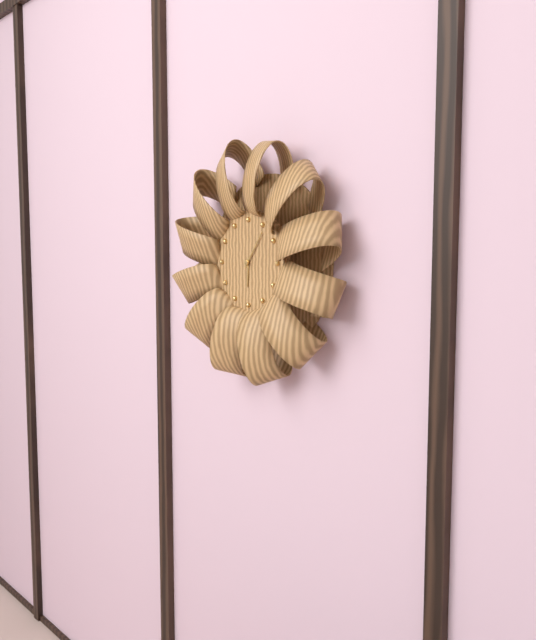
6:06
